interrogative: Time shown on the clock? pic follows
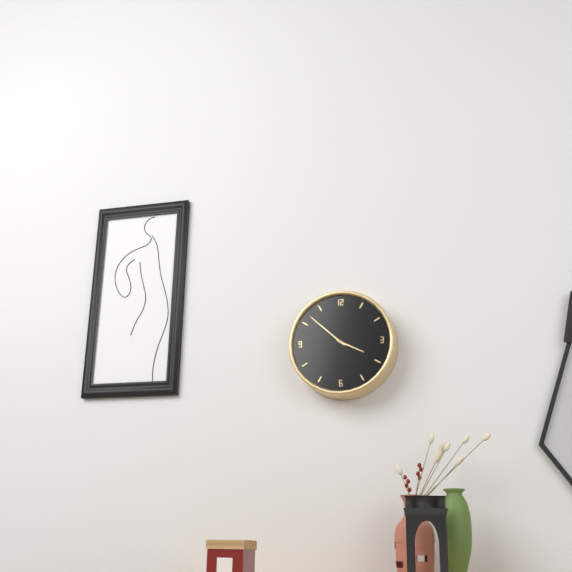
3:52
